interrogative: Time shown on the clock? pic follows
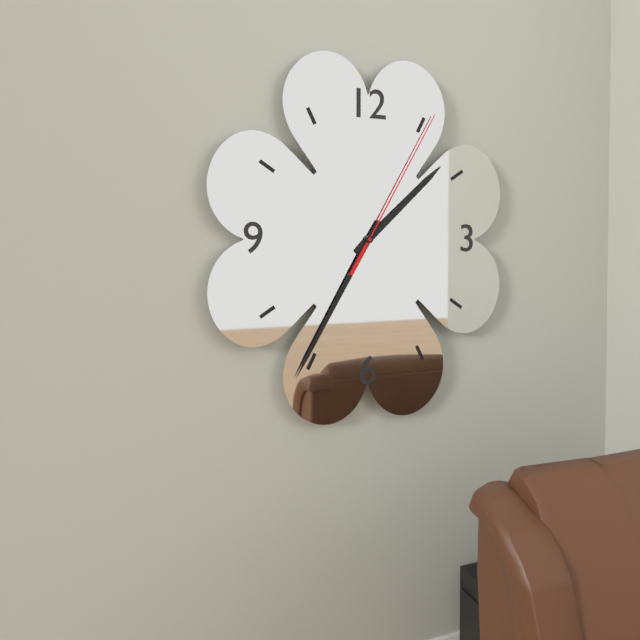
1:35:05
